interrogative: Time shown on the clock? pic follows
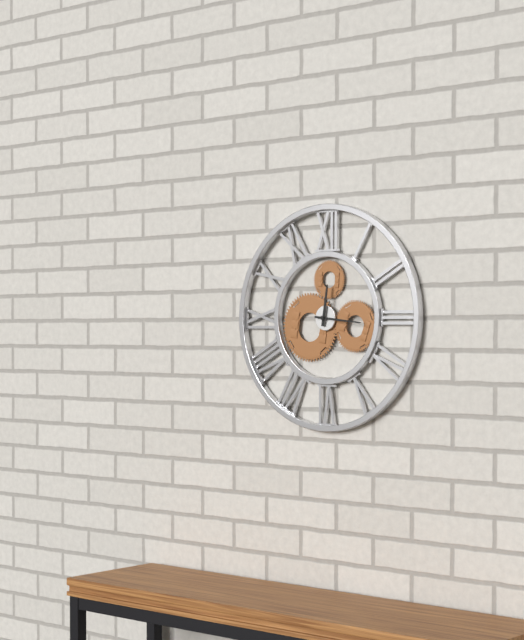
12:16
